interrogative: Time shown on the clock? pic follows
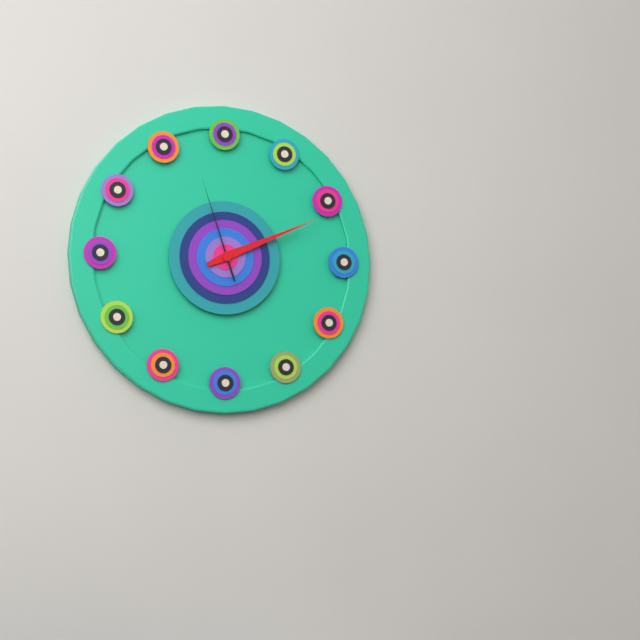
2:11:57
